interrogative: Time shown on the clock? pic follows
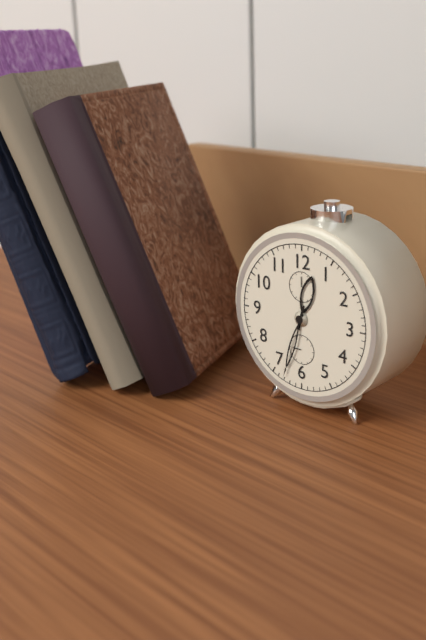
12:33
